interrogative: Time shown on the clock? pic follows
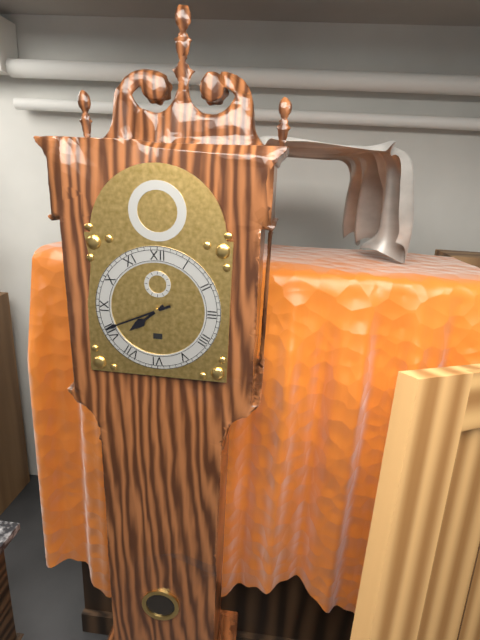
7:41
